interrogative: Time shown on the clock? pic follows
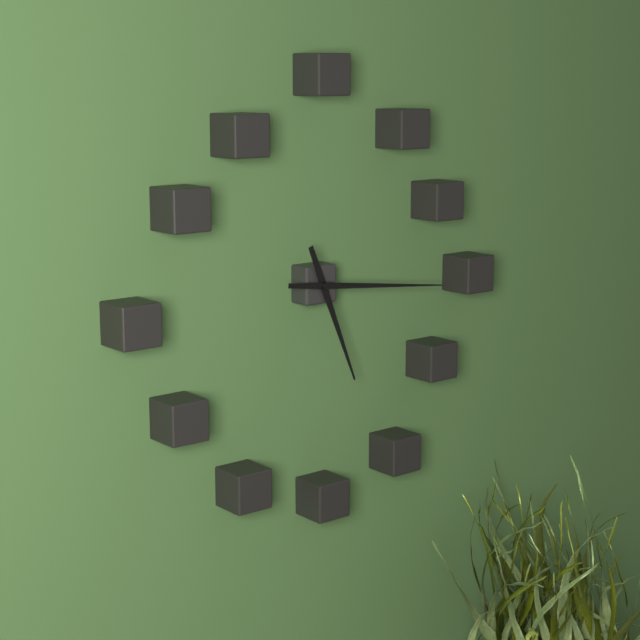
5:16
